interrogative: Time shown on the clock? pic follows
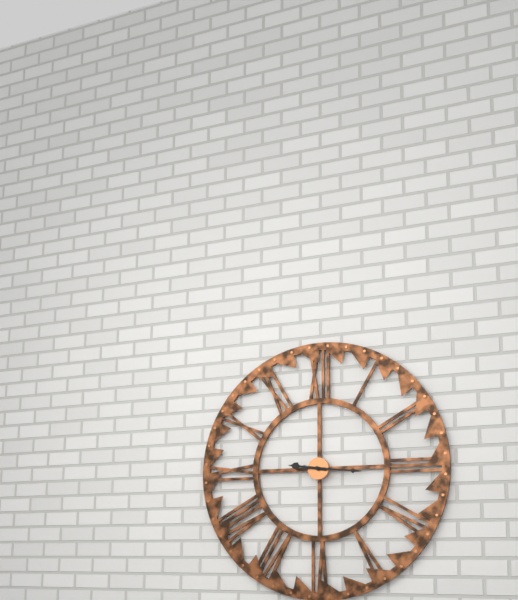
9:16
